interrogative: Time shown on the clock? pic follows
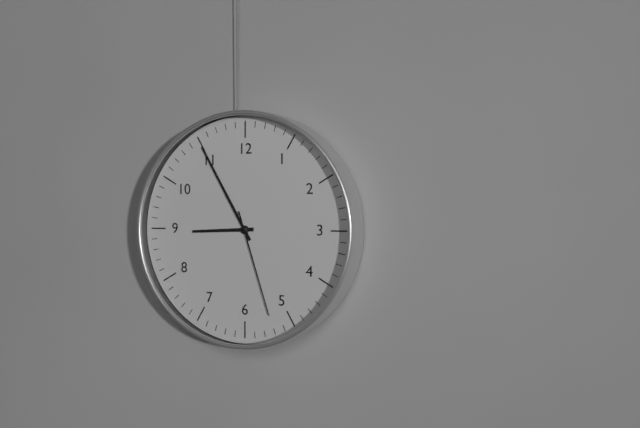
8:55:27
